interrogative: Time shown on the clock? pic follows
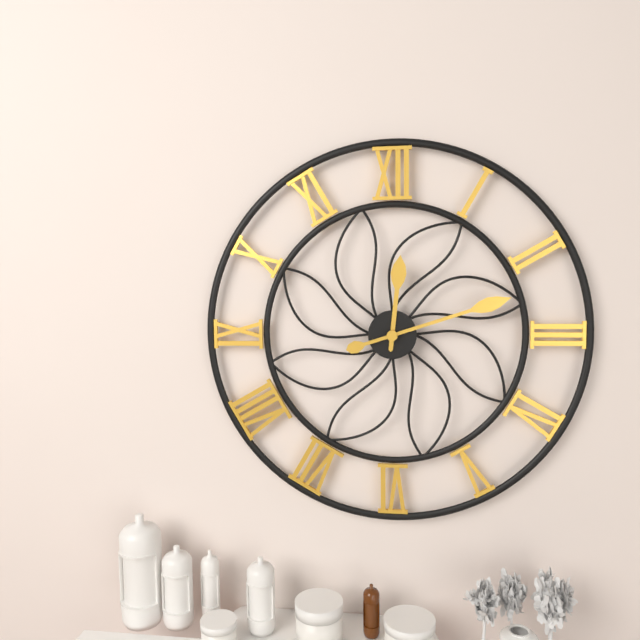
12:12
